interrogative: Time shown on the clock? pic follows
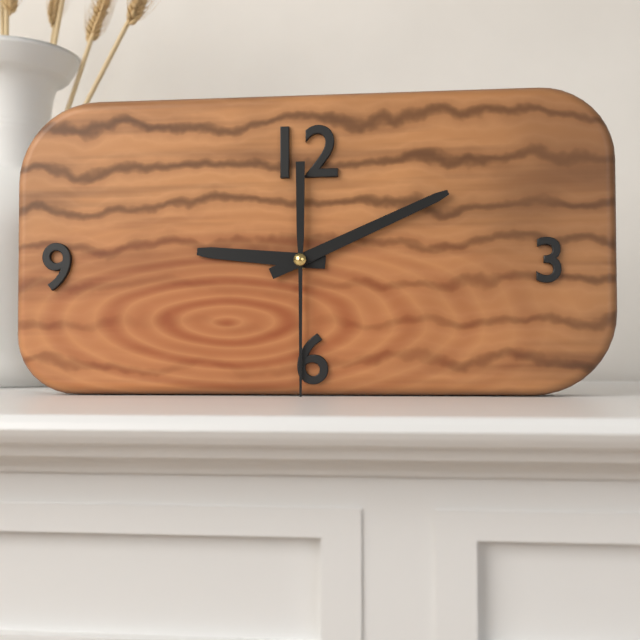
9:11:30
